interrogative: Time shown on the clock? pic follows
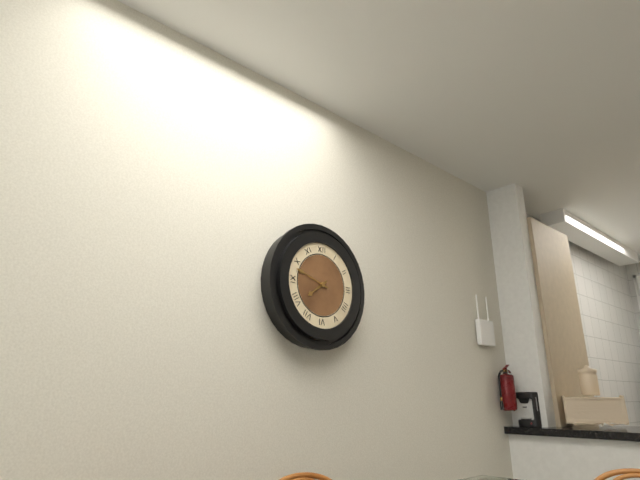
7:48
